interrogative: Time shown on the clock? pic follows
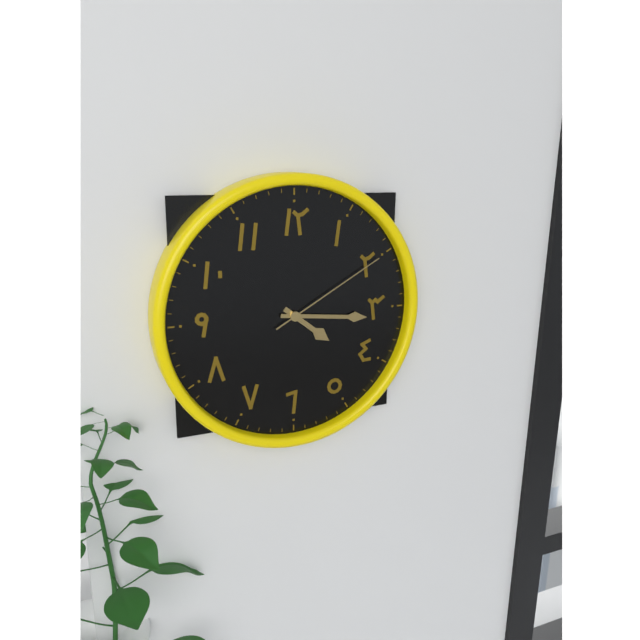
4:16:10
